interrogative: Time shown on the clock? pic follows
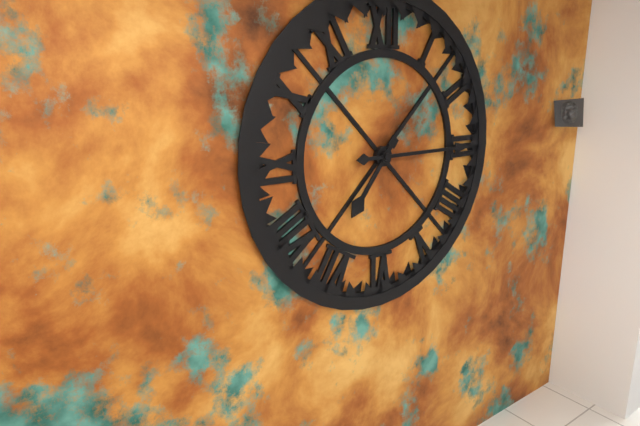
7:15
